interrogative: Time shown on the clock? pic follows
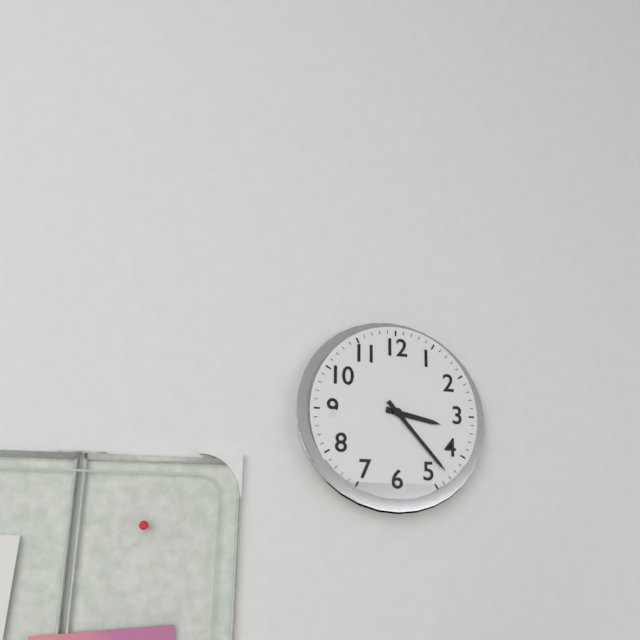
3:23
